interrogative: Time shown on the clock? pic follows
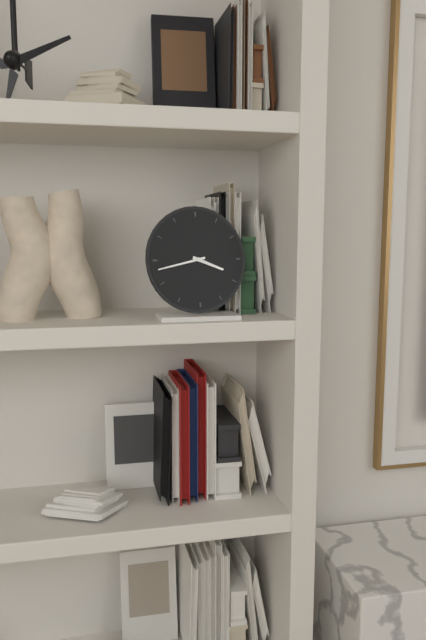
3:43
